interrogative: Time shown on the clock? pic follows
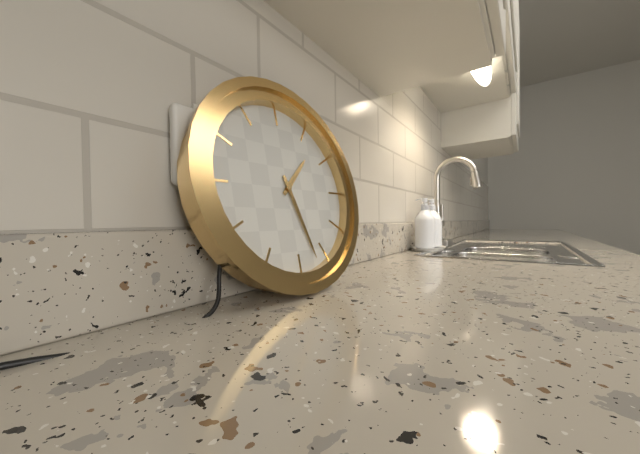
1:27
